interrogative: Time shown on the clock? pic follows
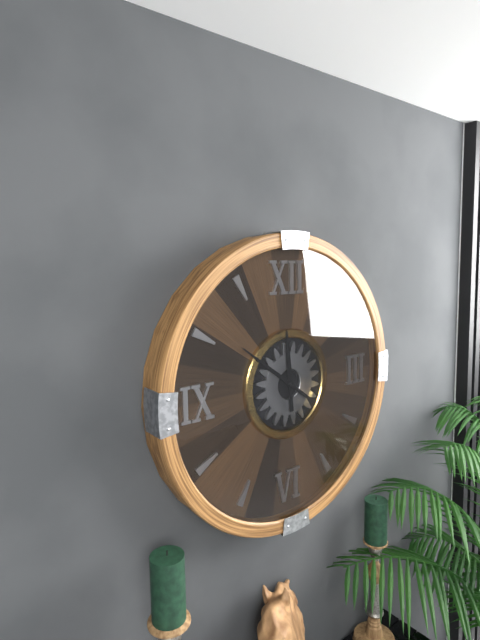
11:51
